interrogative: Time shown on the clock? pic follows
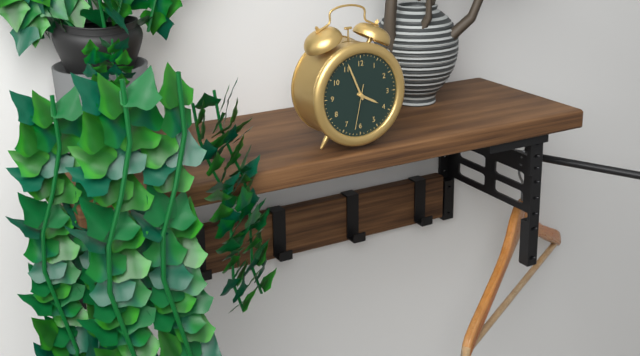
3:56
